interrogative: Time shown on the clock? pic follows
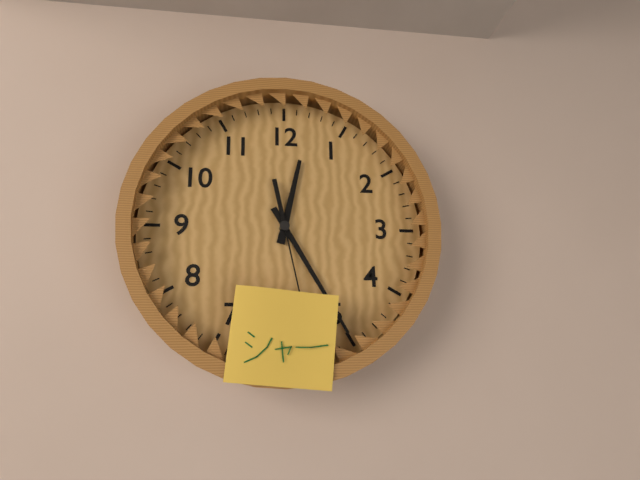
12:25
